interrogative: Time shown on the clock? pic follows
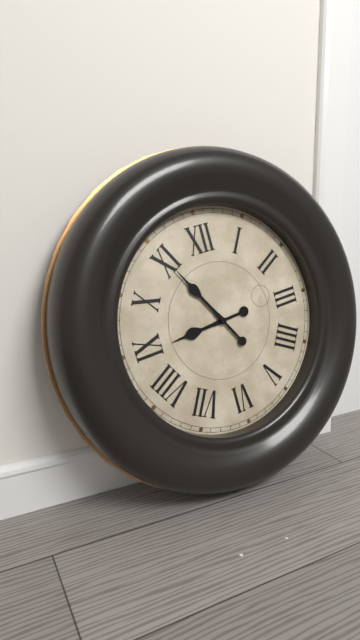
8:55
